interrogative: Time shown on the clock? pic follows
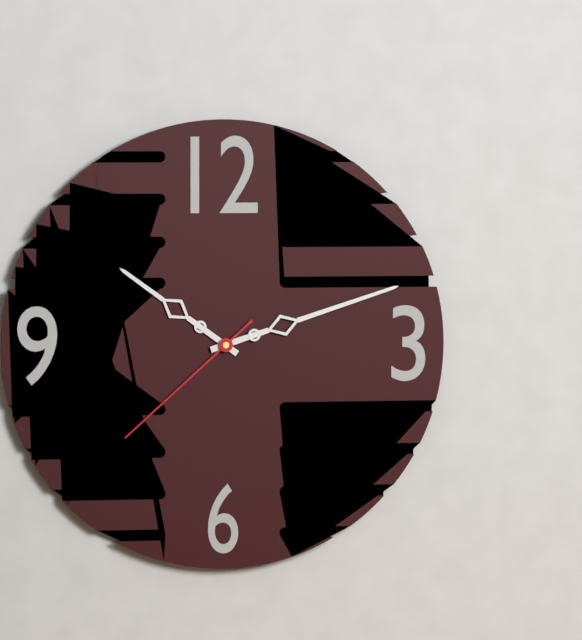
10:12:38
